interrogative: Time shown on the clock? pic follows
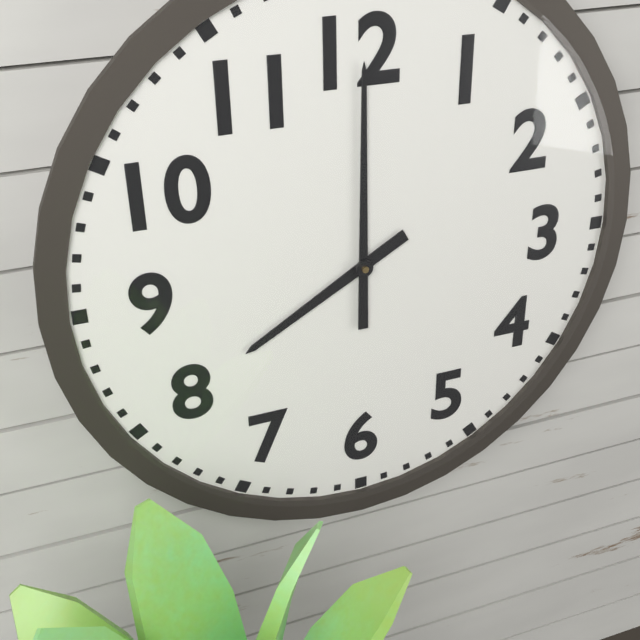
8:00
